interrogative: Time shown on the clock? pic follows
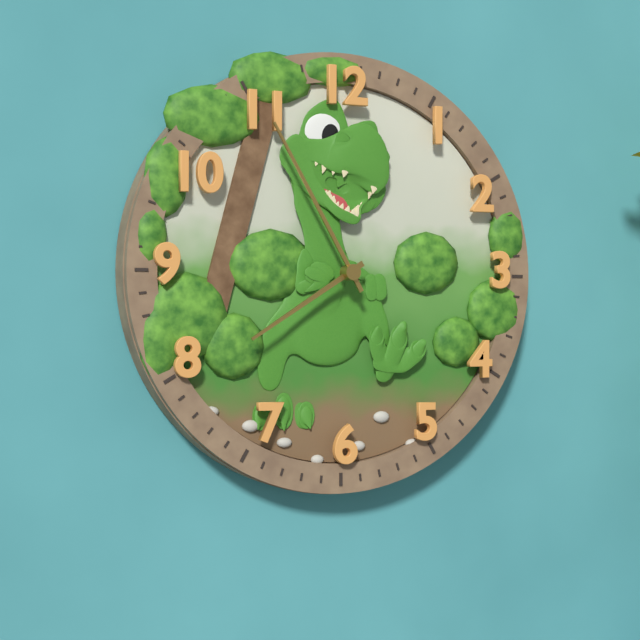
7:55
